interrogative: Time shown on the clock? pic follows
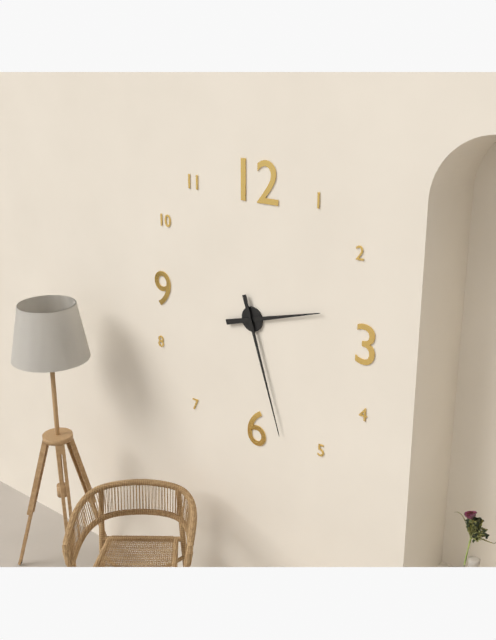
2:27
